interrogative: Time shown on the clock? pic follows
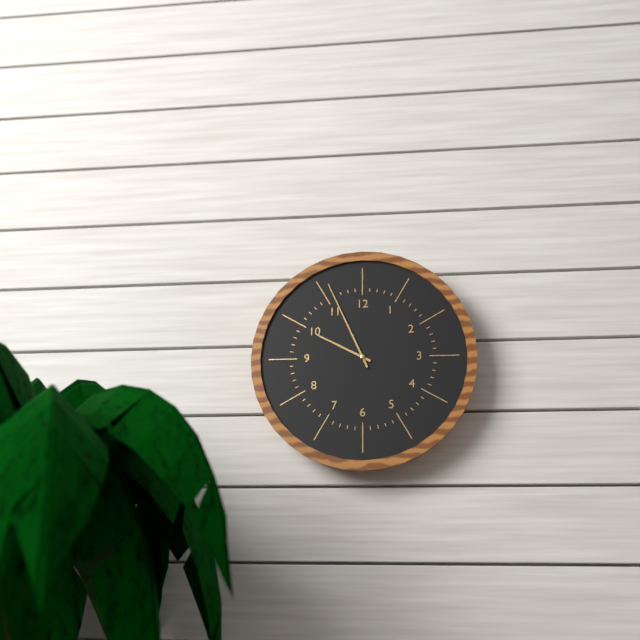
9:56
